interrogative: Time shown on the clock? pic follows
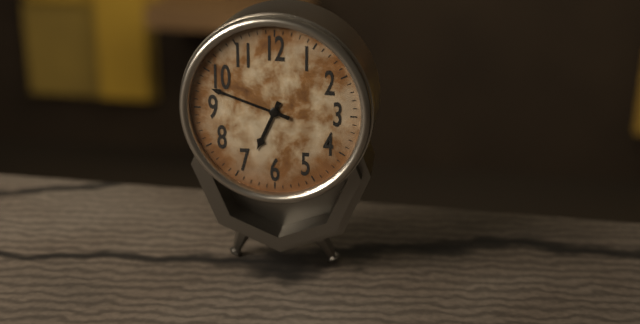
6:48
